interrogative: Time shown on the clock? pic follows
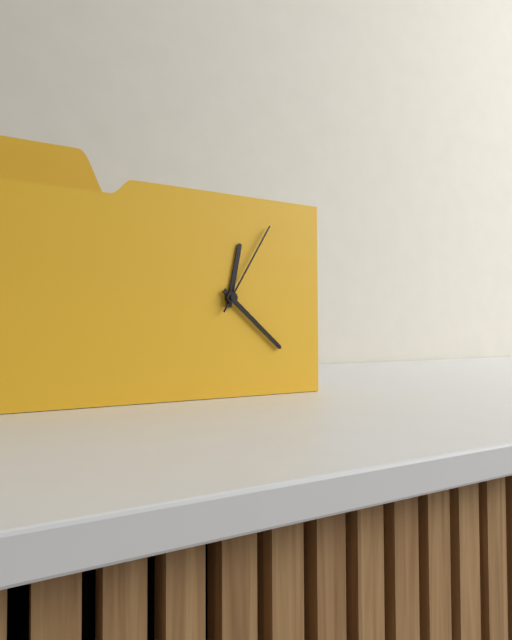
12:22:05
